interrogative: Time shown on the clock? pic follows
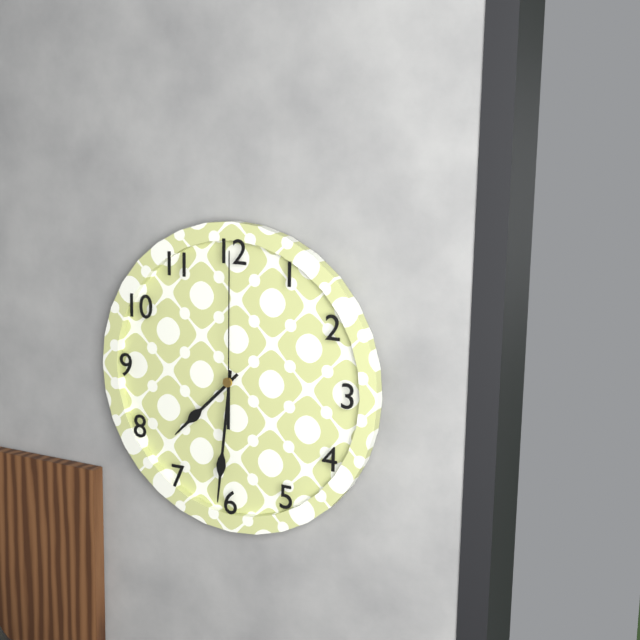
7:31:00
